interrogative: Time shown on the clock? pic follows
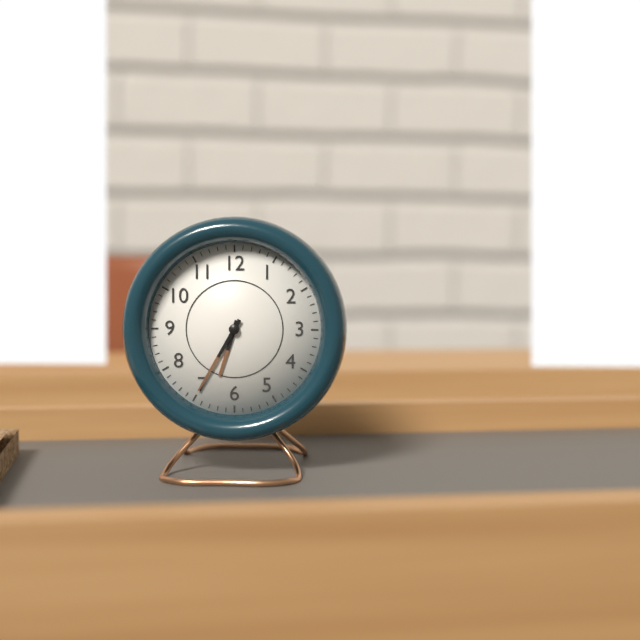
6:35
